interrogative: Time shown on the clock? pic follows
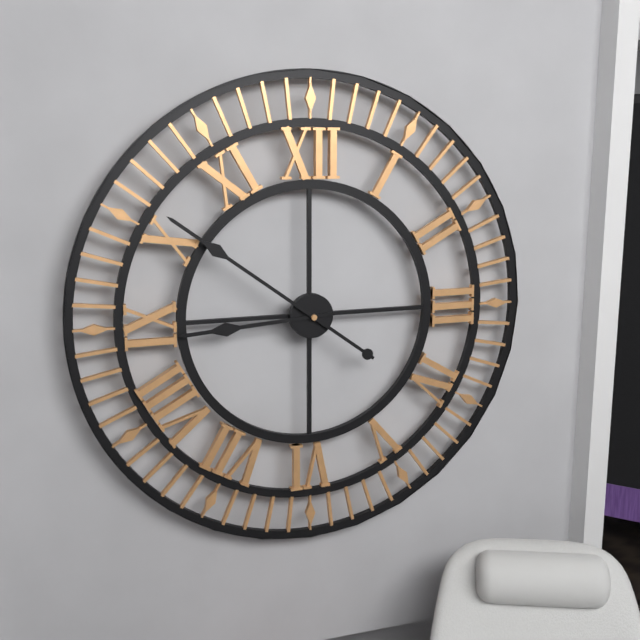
8:51
